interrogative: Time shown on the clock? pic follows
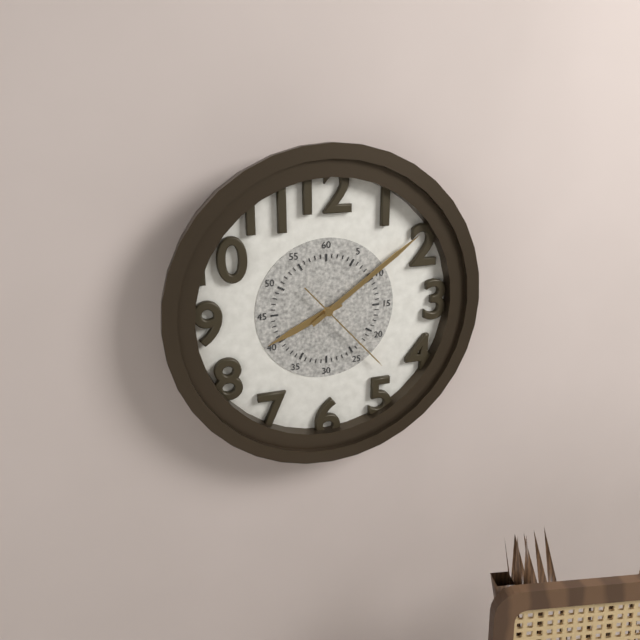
8:09:23
